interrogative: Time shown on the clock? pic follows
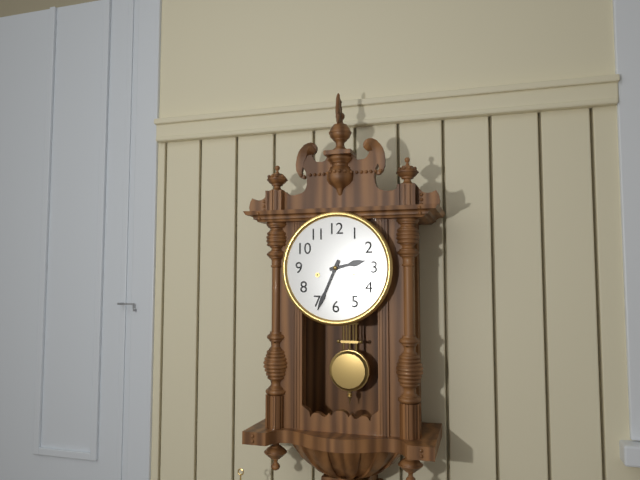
2:34
